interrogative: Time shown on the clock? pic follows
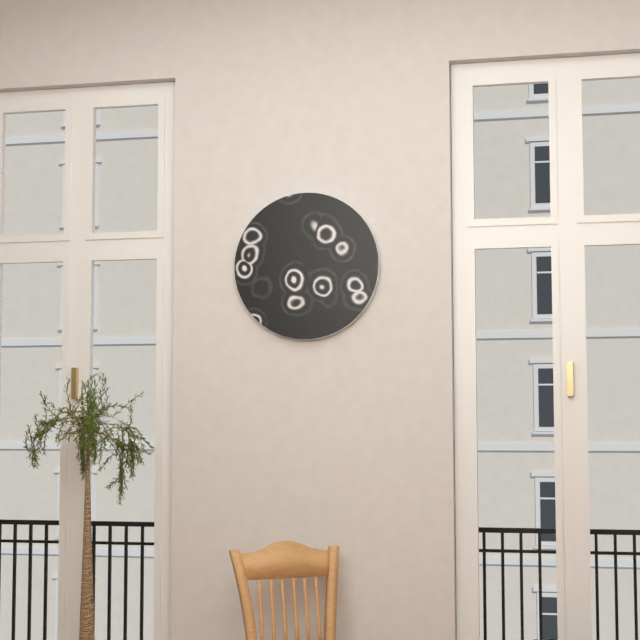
11:03
